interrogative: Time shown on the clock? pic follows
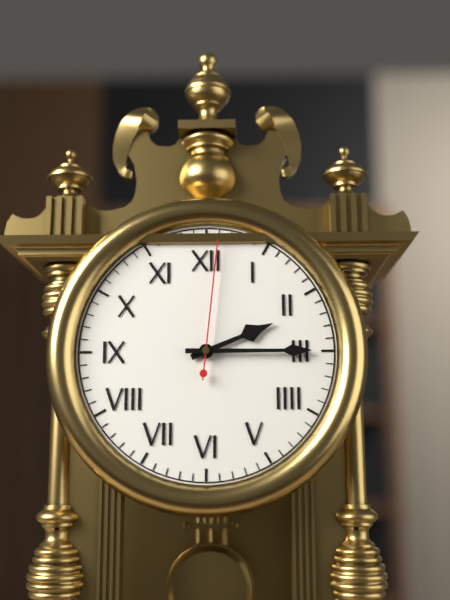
2:15:01
